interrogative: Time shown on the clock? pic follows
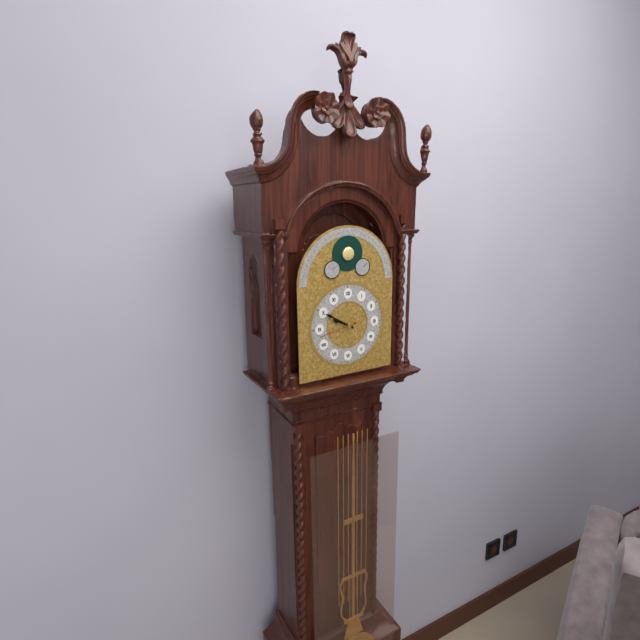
9:50
